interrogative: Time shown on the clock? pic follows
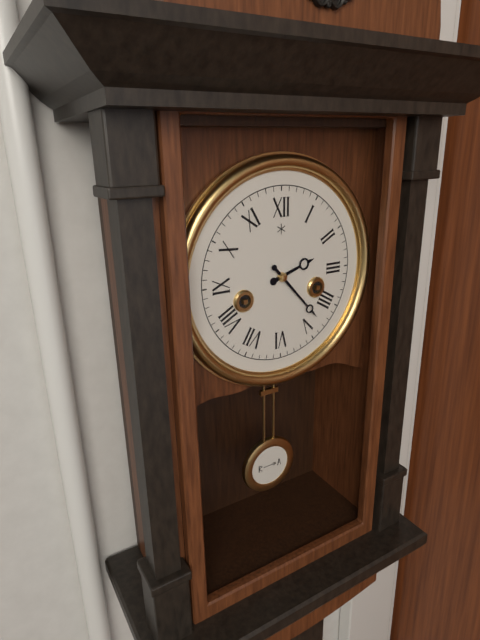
2:23
